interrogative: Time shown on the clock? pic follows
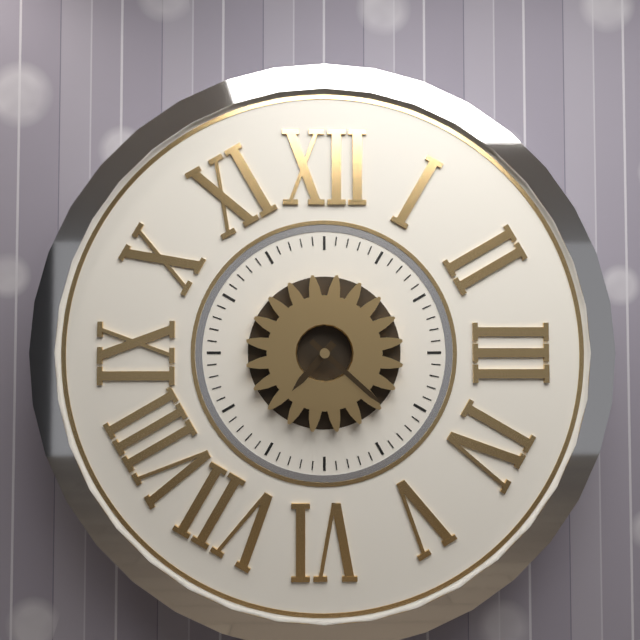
7:22
